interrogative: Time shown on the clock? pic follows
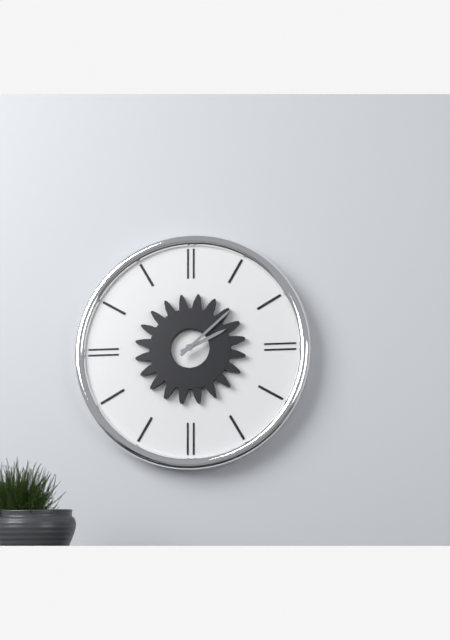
2:08
